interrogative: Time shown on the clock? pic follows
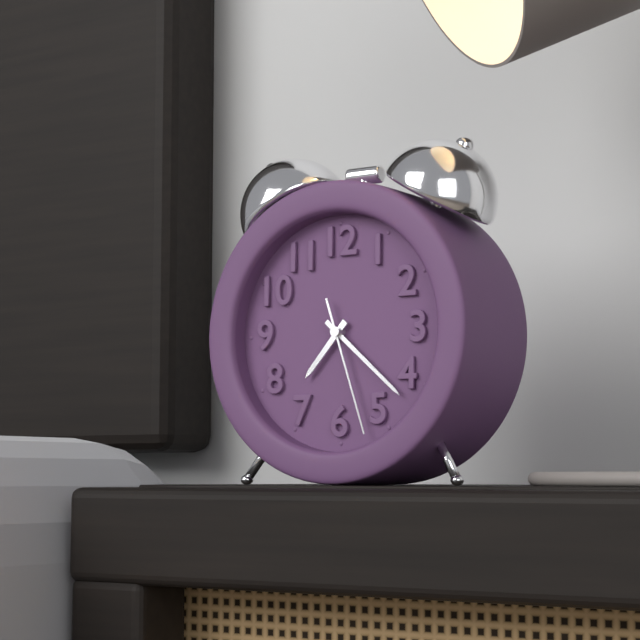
7:22:27
